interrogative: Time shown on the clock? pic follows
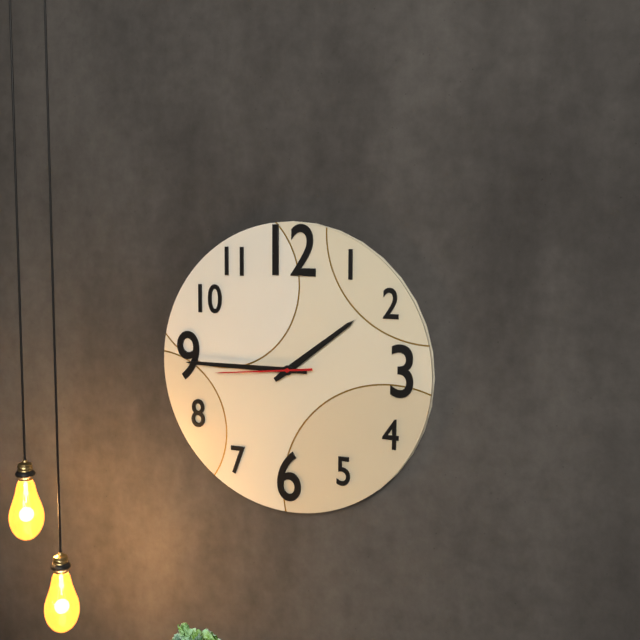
1:45:44
